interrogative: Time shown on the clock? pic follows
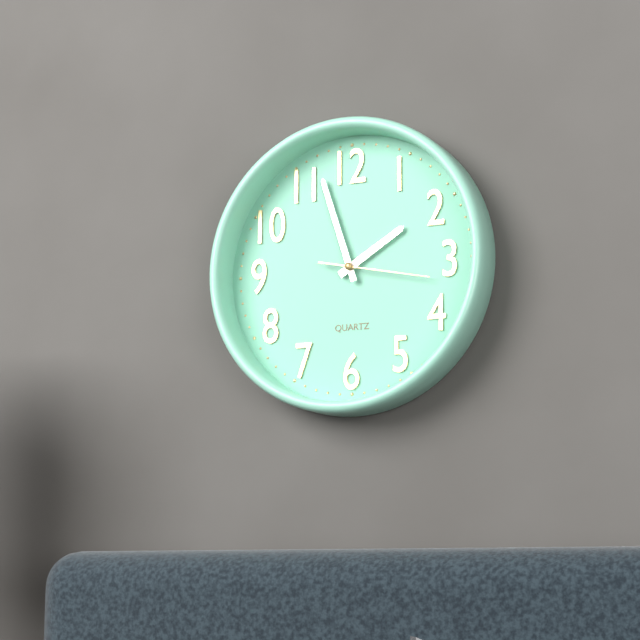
1:57:17
